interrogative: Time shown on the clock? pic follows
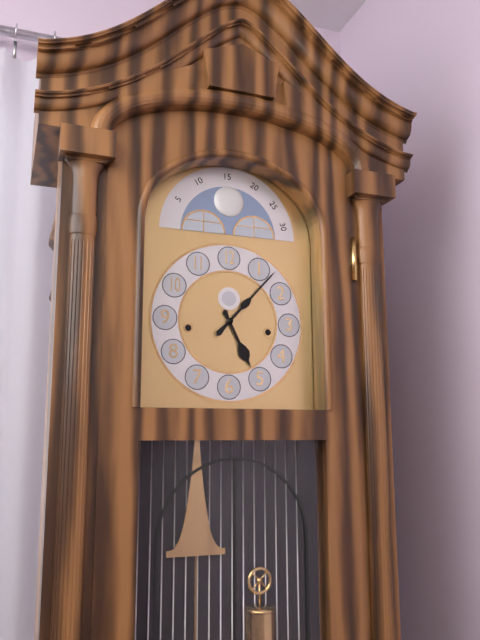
5:07
